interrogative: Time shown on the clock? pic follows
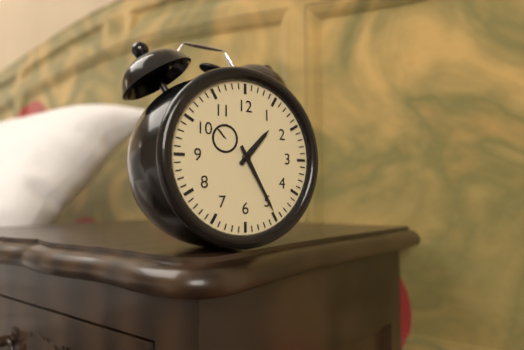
1:25
